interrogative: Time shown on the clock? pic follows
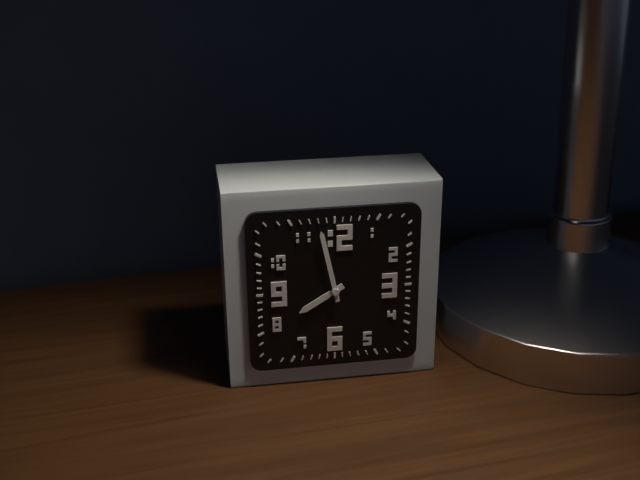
7:58
